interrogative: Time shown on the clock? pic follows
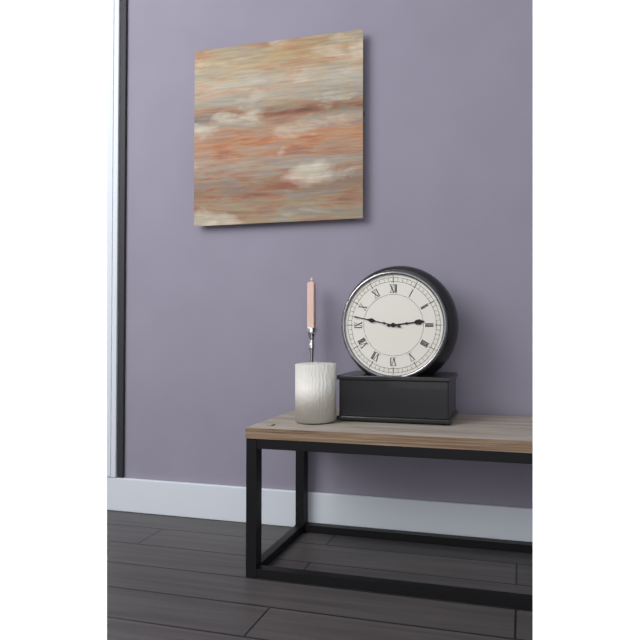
2:47
